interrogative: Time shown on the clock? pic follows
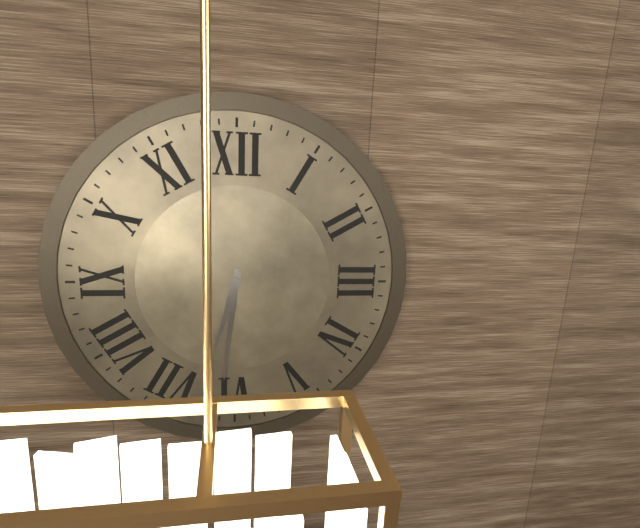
6:31
